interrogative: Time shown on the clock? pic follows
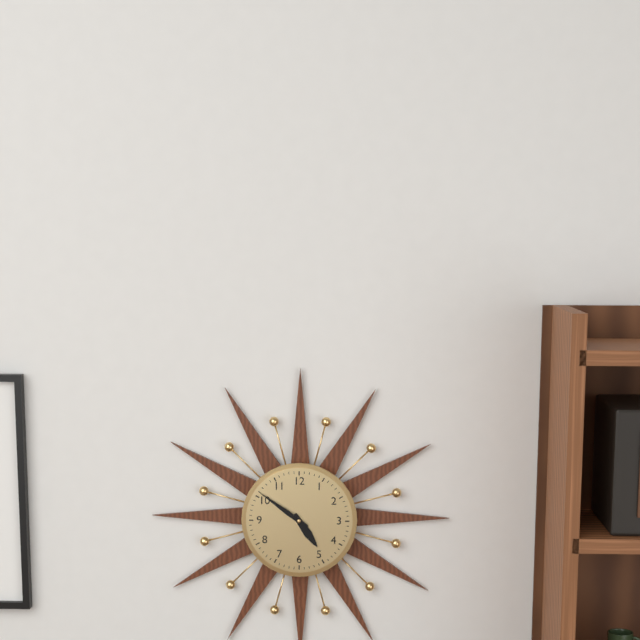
4:51
